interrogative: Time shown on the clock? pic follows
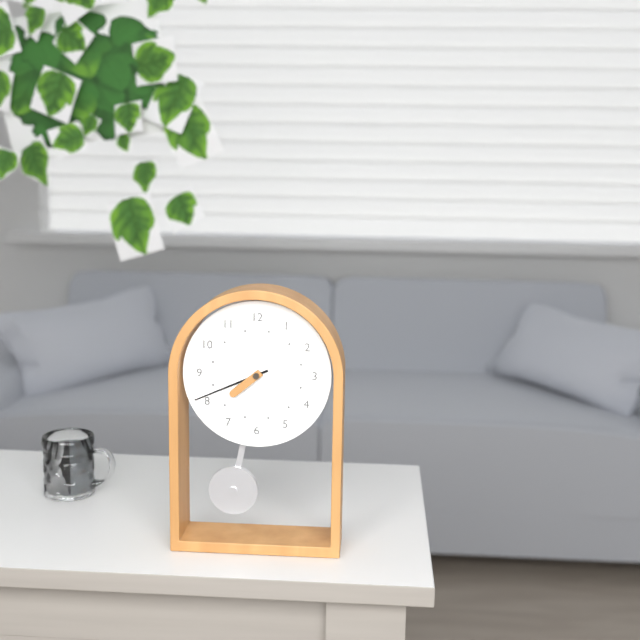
7:41
